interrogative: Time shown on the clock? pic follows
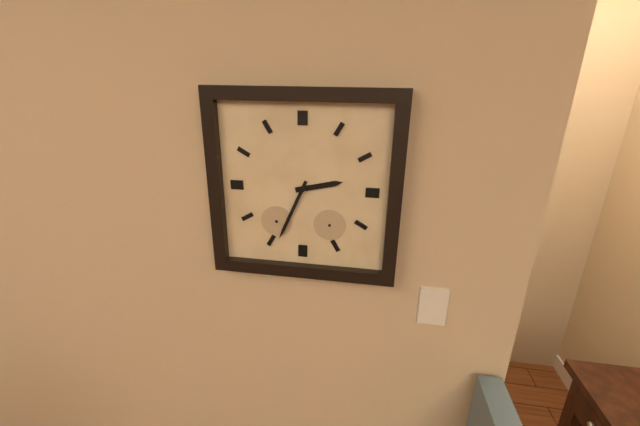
2:34
